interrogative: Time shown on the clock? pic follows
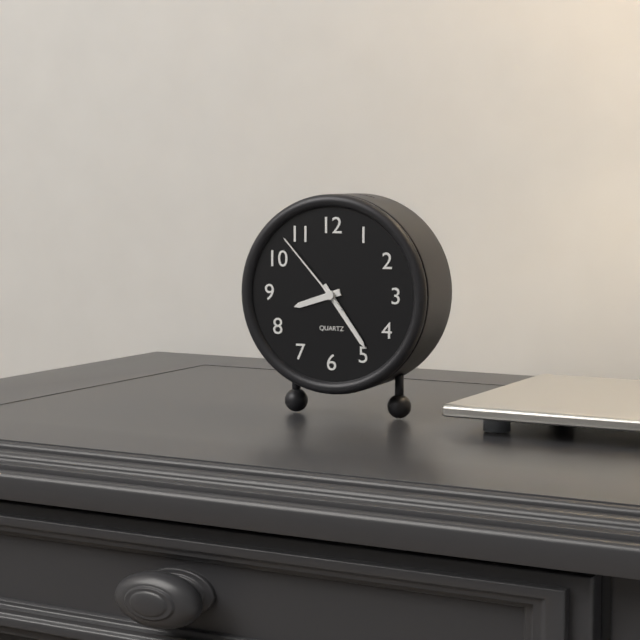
8:24:53
